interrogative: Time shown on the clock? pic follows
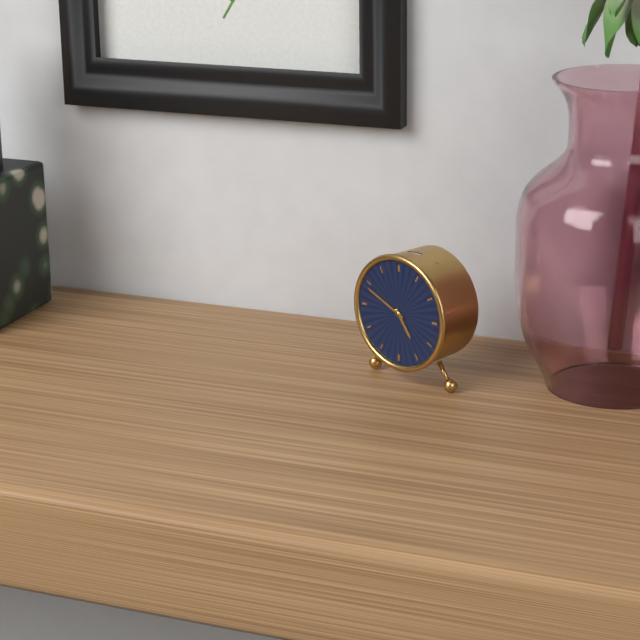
4:49
